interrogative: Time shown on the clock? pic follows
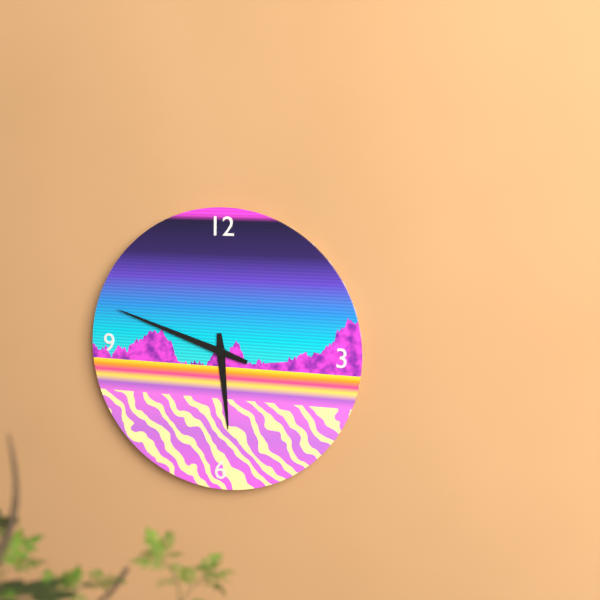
5:48
